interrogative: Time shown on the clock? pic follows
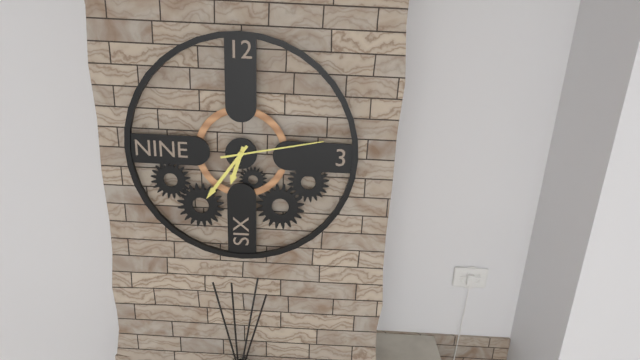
6:36:13
